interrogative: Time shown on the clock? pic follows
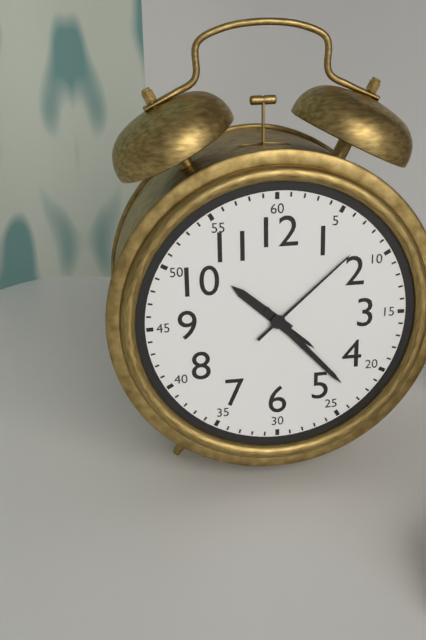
10:23:08
